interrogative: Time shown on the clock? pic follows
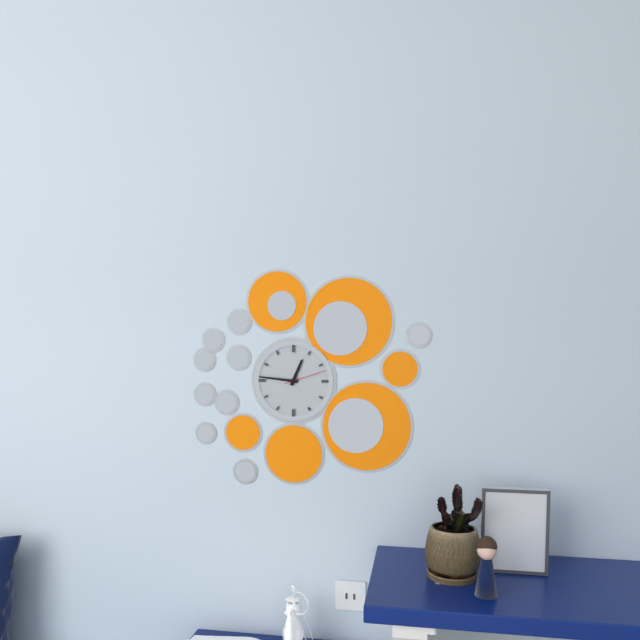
12:46
